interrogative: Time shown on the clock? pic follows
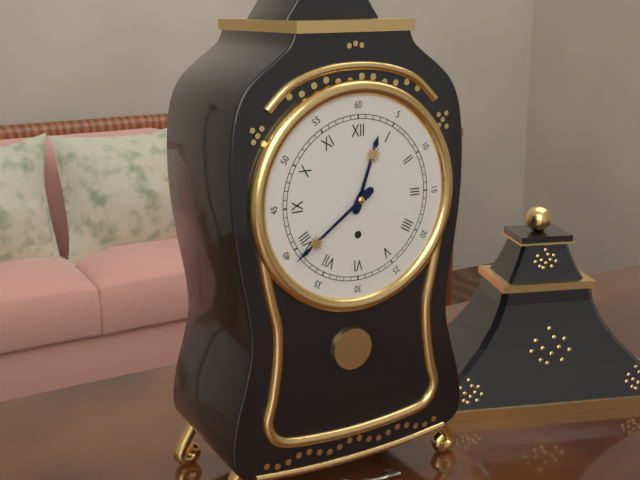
12:39
